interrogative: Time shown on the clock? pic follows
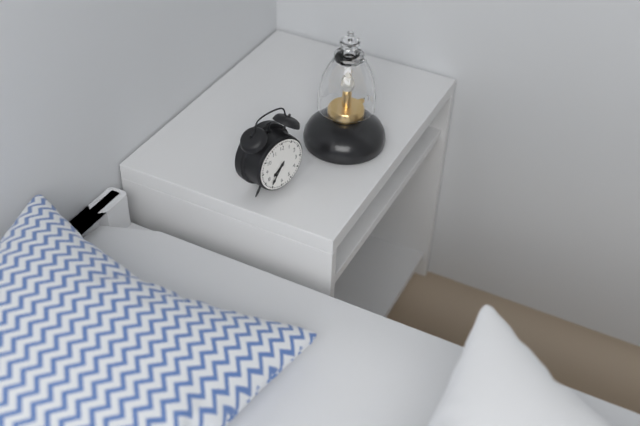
7:36
